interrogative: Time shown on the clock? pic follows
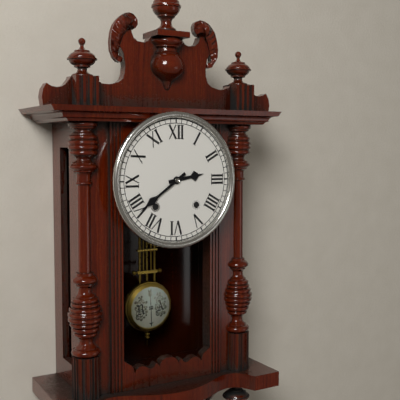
2:39
